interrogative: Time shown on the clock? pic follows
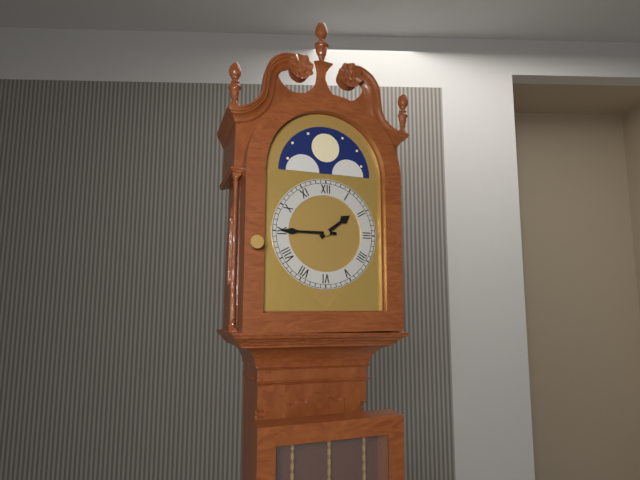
1:45
